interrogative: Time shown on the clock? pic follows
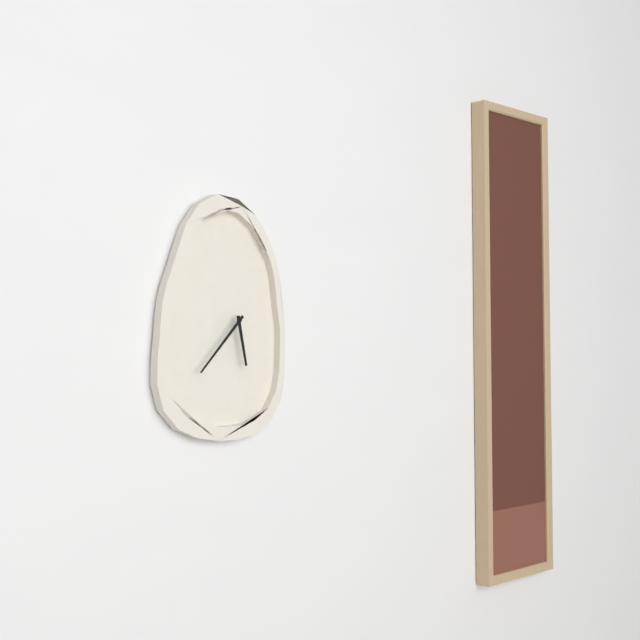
5:37
